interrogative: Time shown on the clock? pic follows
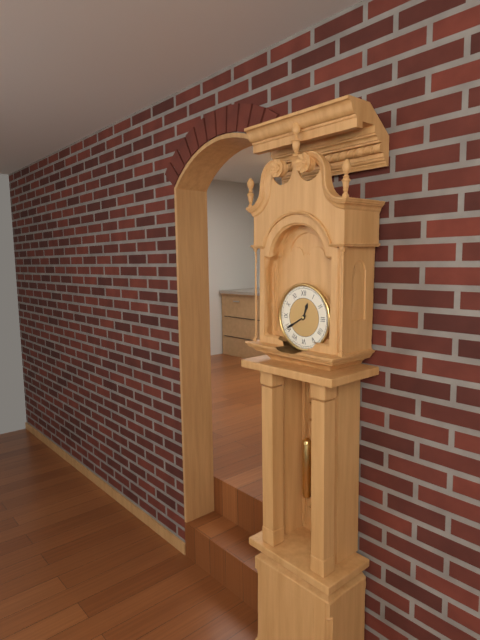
12:40
